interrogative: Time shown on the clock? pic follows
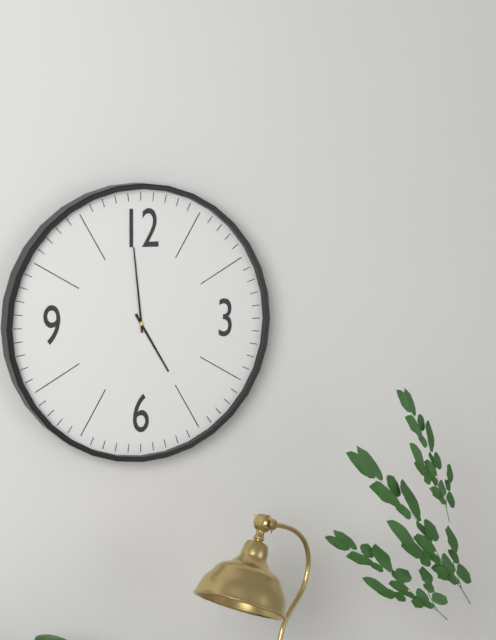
4:59
